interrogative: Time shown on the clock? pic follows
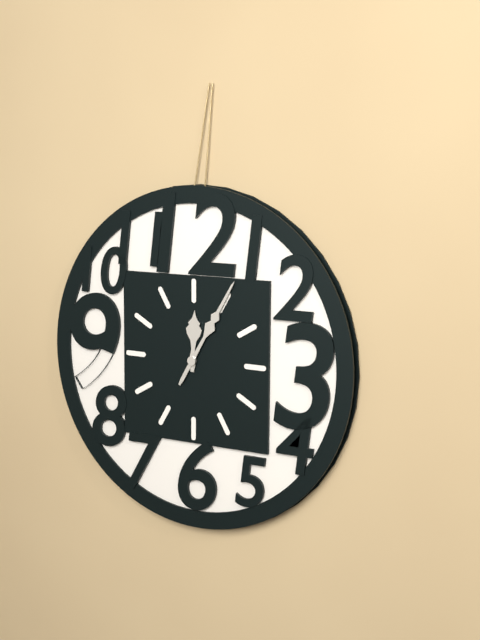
12:05
